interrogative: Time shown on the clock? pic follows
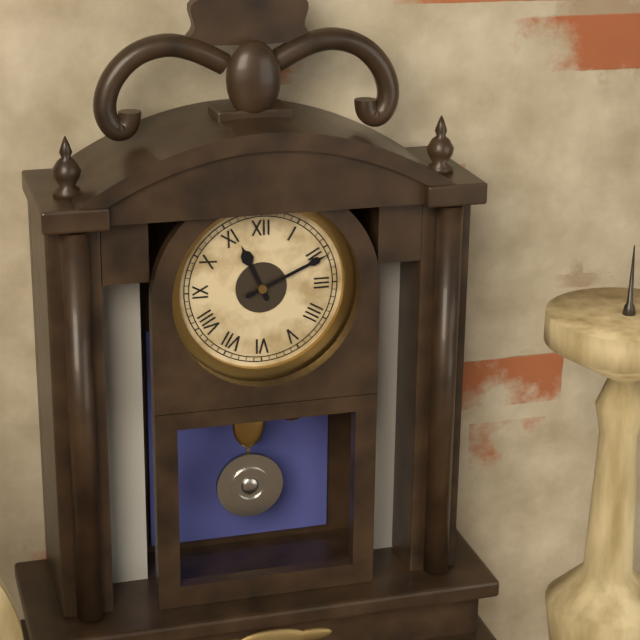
11:11
